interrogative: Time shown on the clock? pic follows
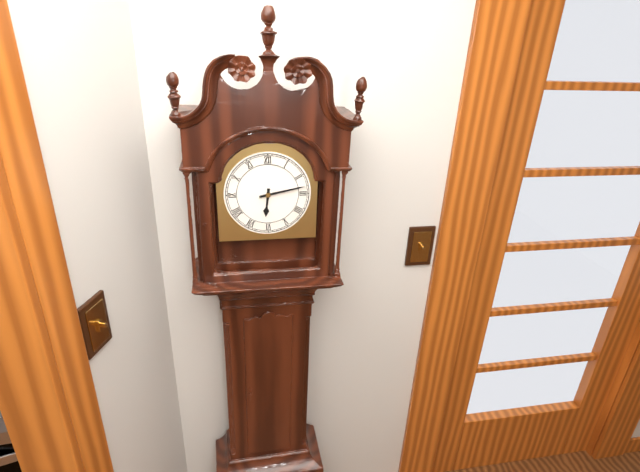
6:13
